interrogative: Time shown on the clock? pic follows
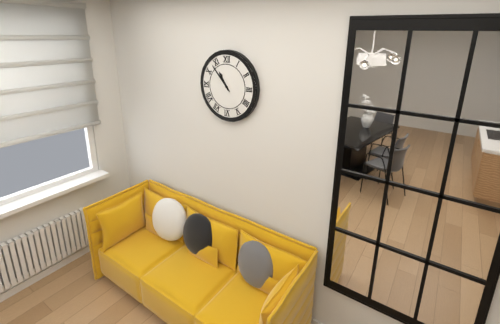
10:53
